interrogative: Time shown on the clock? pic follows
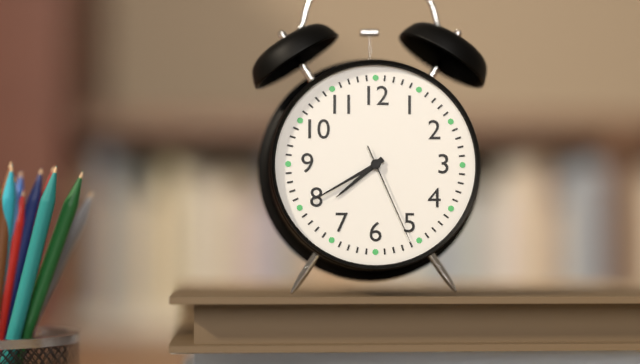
7:40:26
